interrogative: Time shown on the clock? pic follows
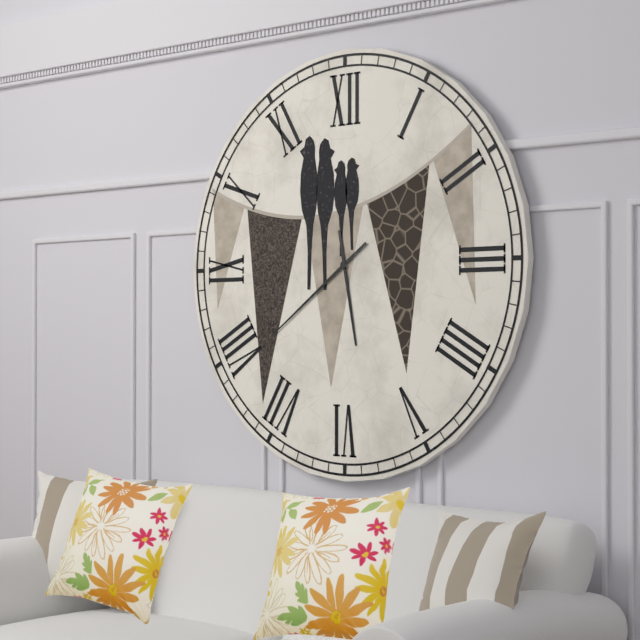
5:39
